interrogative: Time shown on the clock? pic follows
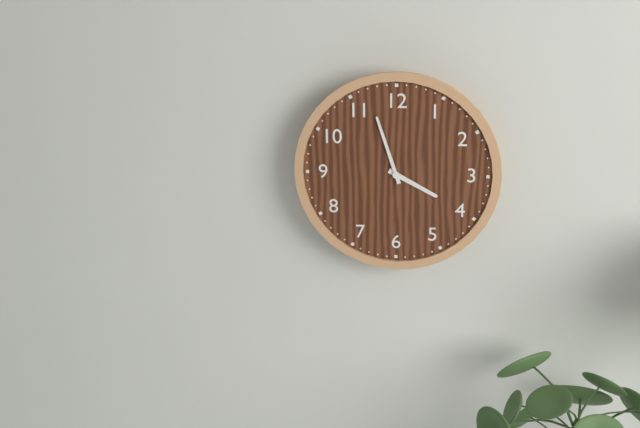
3:57
